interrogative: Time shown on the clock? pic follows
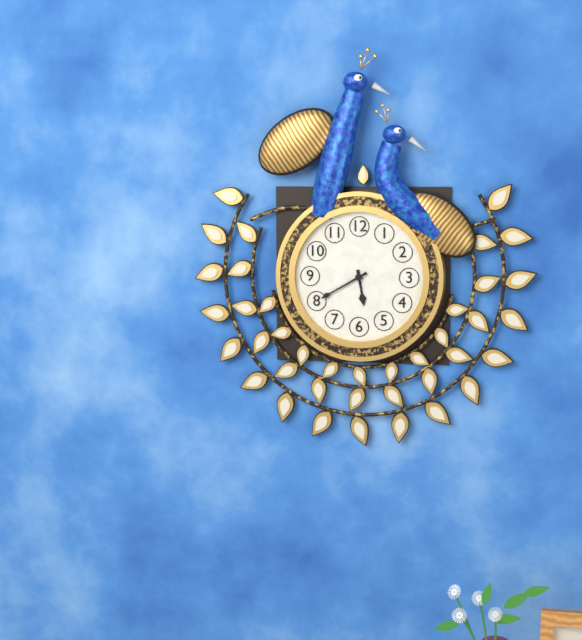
5:40
